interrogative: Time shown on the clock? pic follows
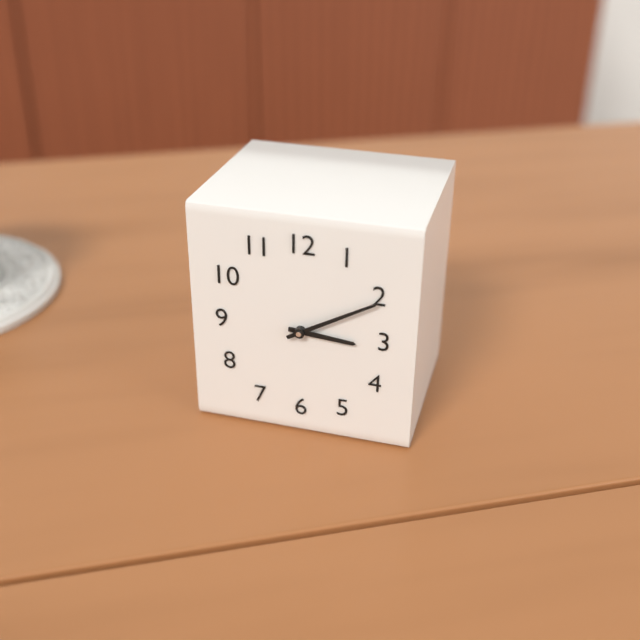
3:10
